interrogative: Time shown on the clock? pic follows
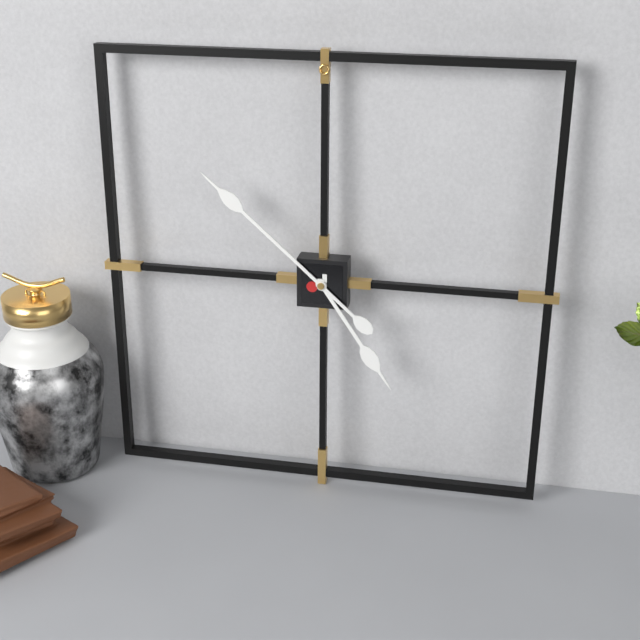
4:52
